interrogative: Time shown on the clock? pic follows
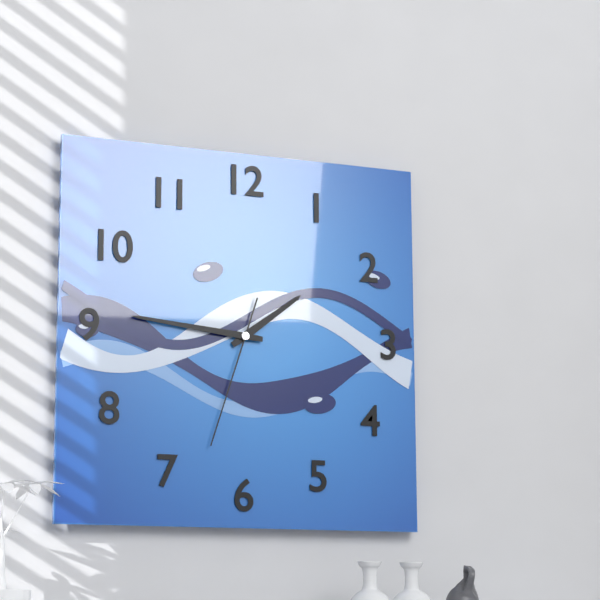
1:46:33
